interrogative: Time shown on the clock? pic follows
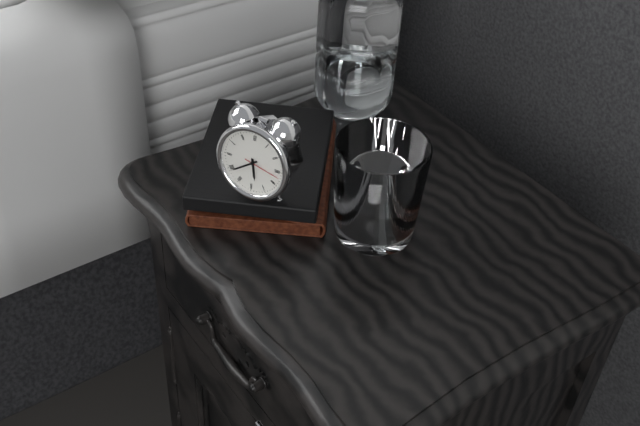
5:39
